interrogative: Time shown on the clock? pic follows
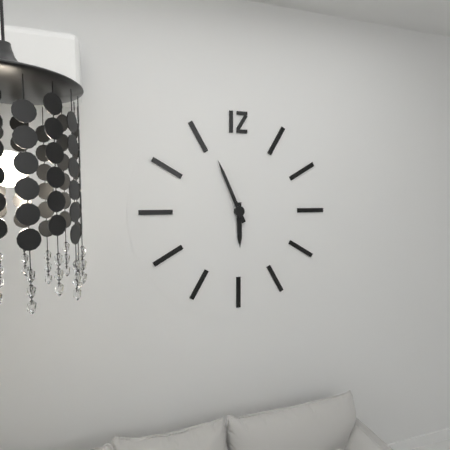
5:56
